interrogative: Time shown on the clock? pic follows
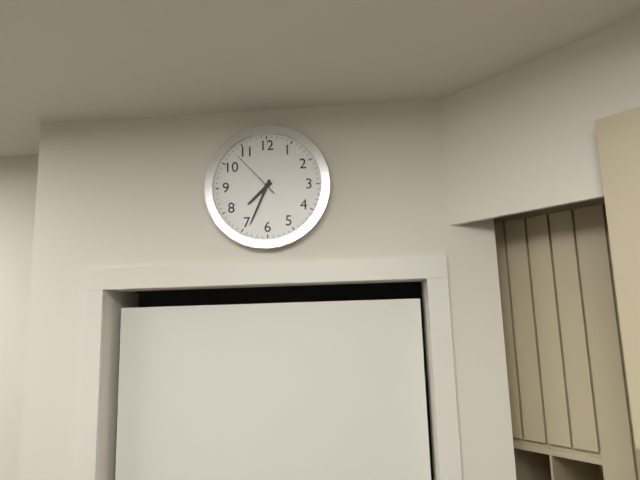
7:34:53
